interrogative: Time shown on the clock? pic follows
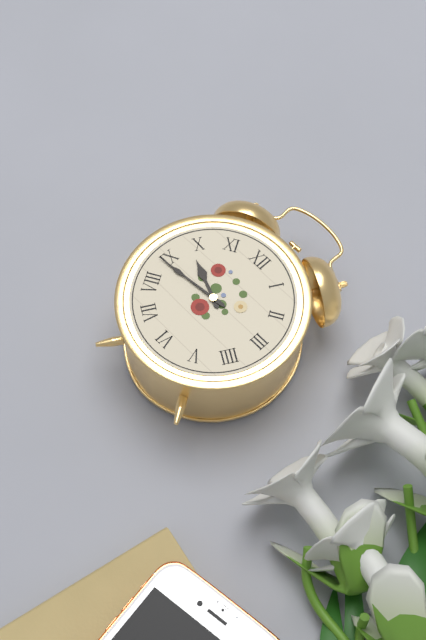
9:44
